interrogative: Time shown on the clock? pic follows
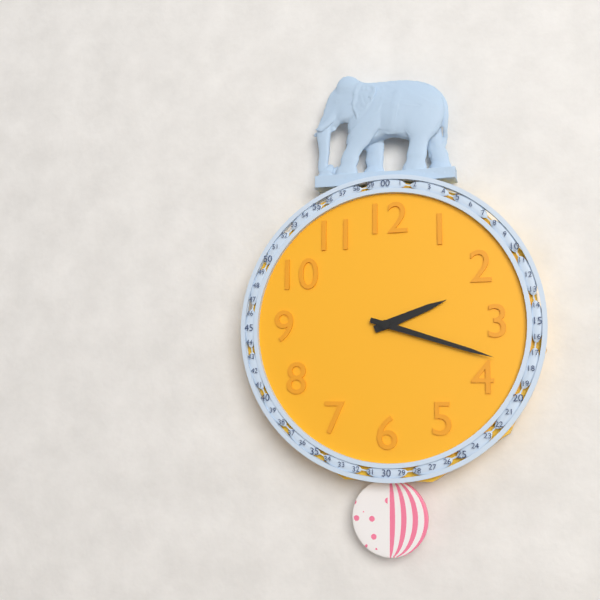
2:18
